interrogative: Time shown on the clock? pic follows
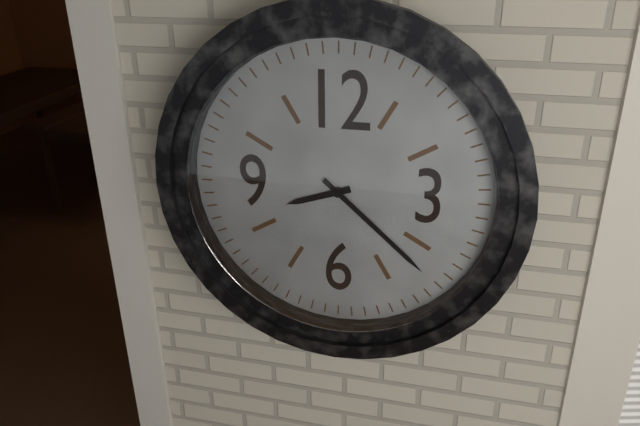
8:22
